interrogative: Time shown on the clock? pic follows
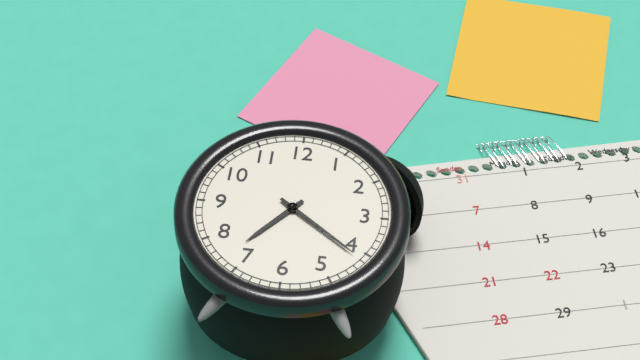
7:21
